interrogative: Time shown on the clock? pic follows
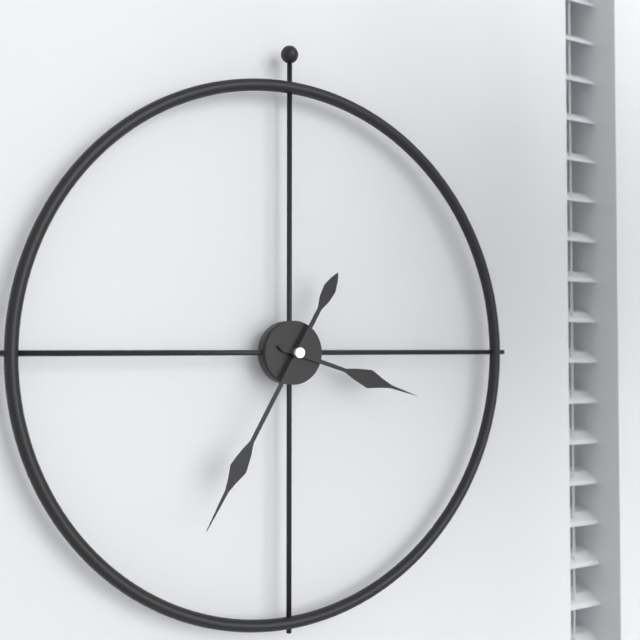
3:35
